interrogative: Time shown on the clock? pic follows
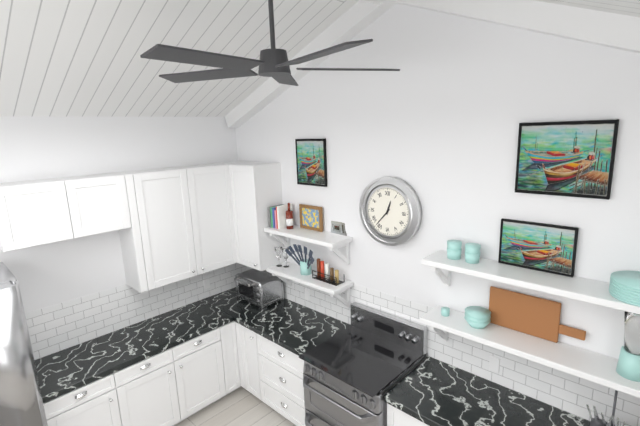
12:37
